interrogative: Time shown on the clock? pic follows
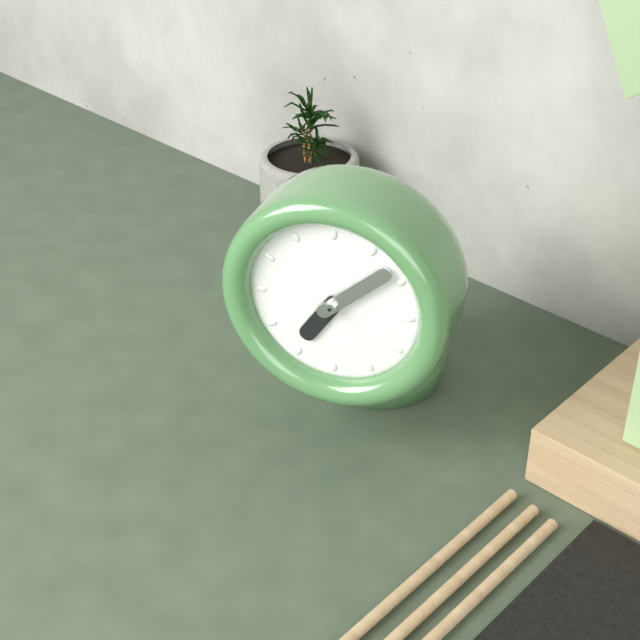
7:08
